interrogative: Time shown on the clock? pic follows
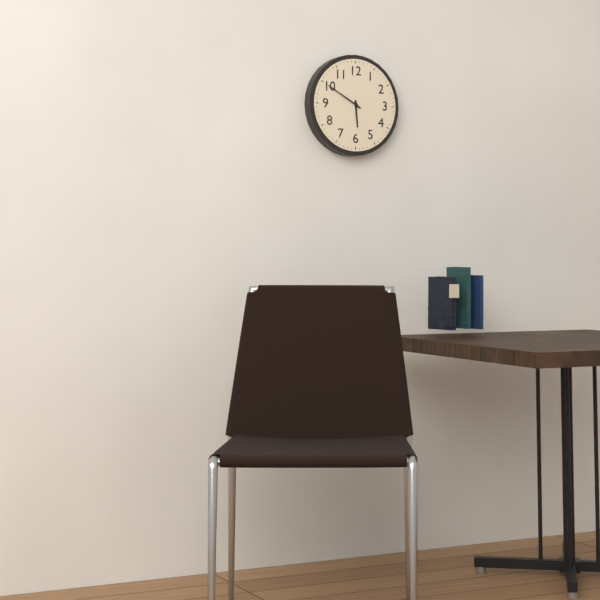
5:50
